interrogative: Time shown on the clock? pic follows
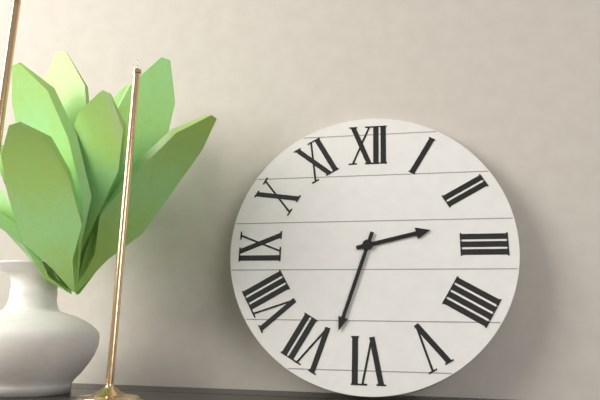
2:33
